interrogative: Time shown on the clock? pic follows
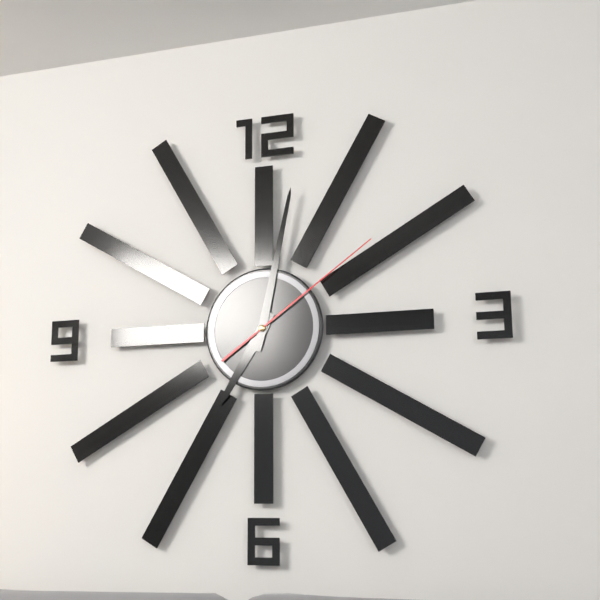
7:02:09
